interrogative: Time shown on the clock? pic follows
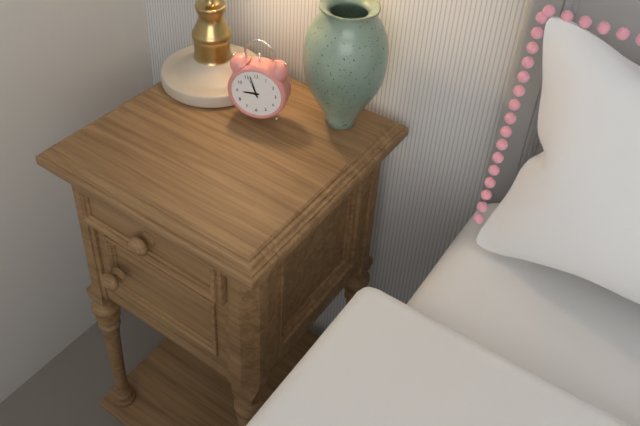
8:57
